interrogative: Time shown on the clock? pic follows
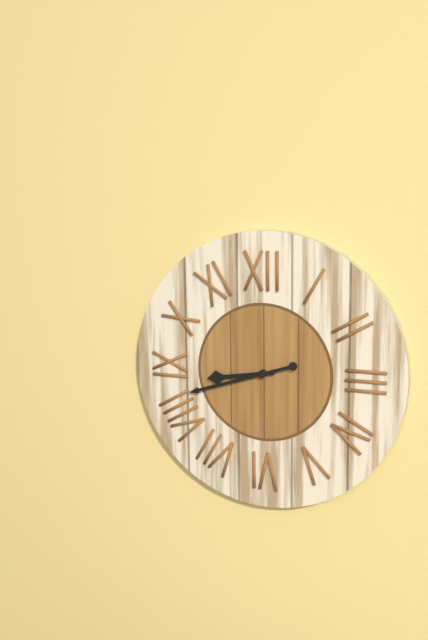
8:42
